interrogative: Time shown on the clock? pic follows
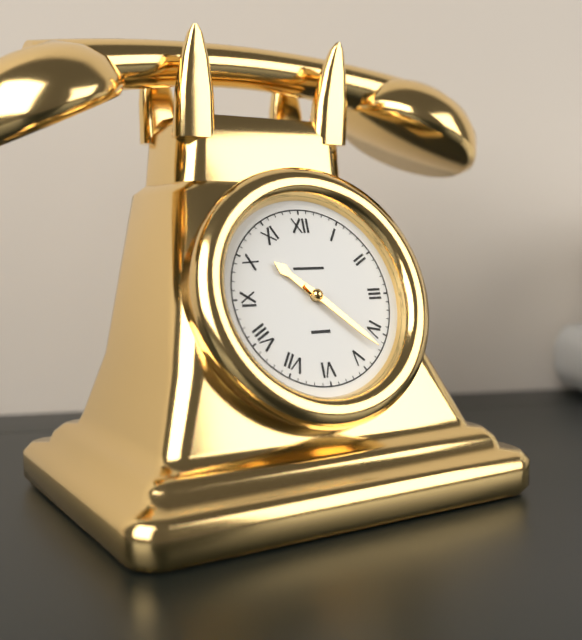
10:22
